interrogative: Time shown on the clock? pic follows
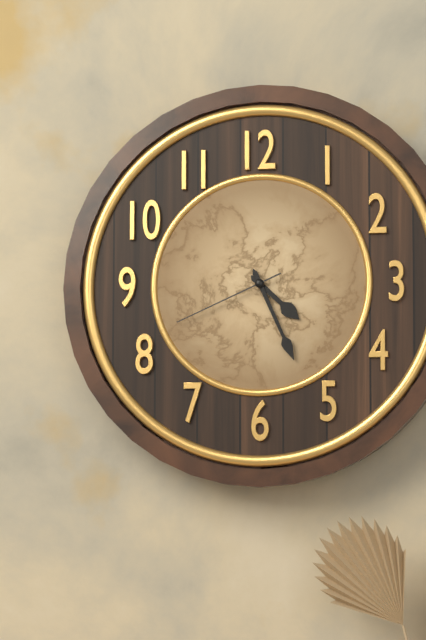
4:26:41
